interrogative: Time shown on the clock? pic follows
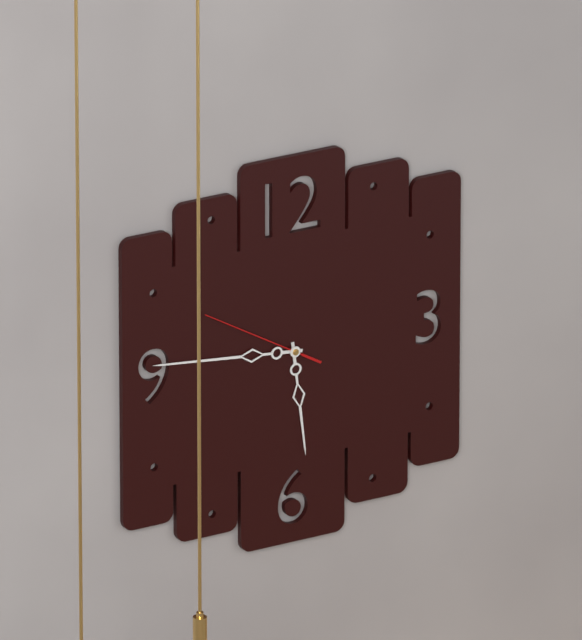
5:46:50
